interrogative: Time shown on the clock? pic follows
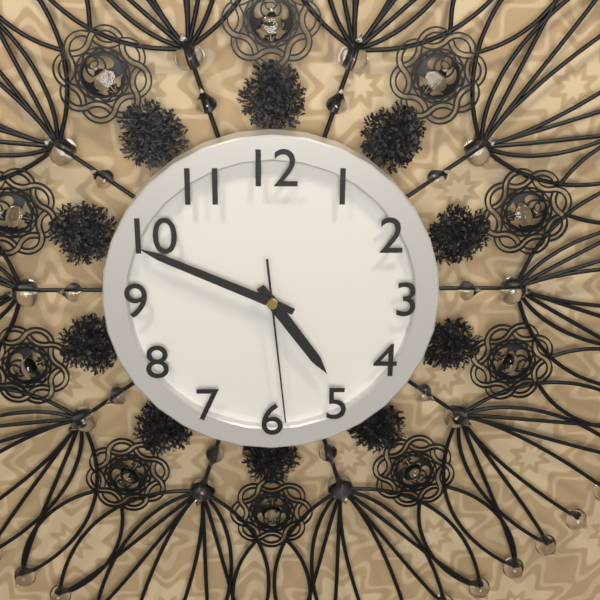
4:49:29
